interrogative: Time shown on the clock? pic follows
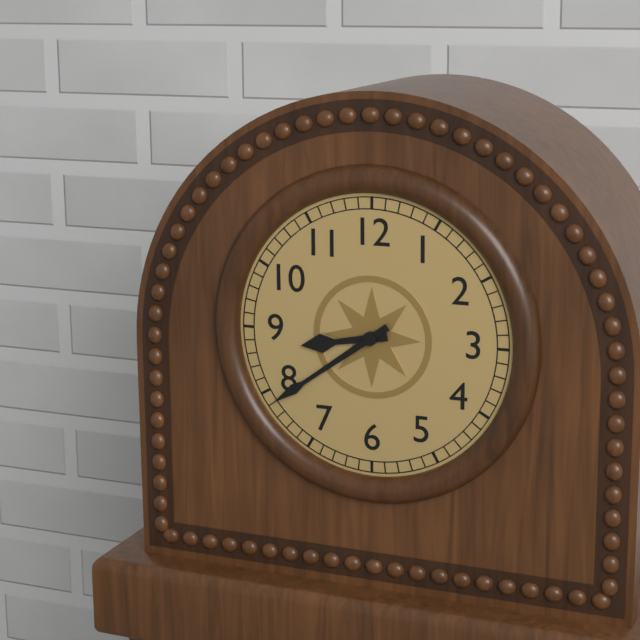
8:39
